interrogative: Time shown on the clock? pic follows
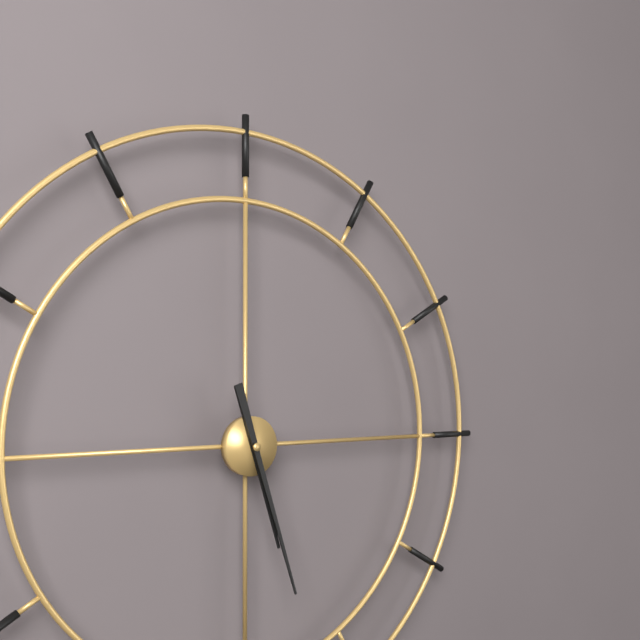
5:27
